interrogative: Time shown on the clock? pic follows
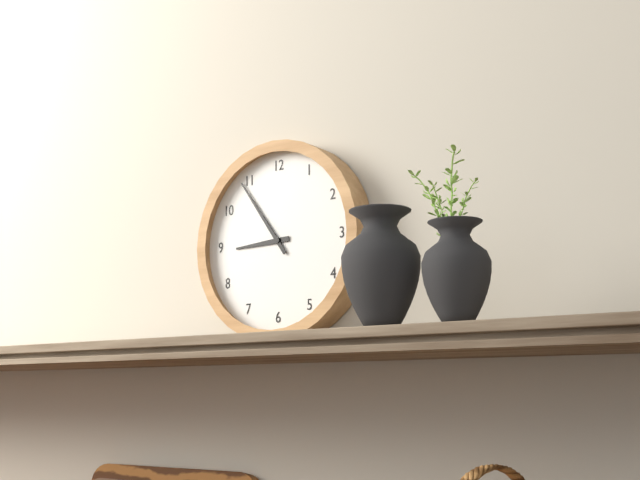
8:54
